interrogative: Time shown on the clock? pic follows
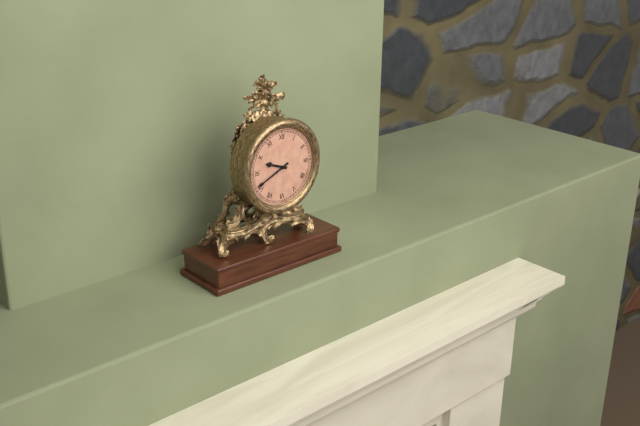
9:41
